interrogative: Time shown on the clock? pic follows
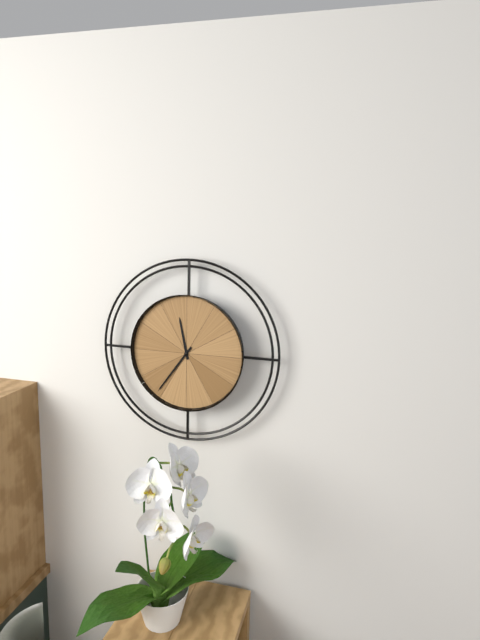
11:36
